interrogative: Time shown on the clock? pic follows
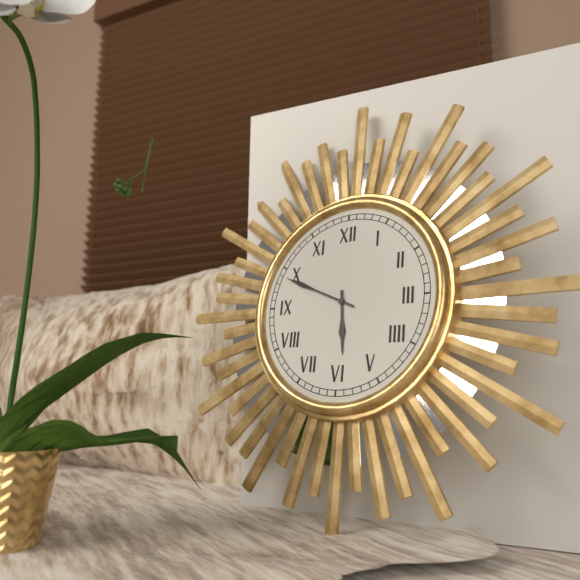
5:49
